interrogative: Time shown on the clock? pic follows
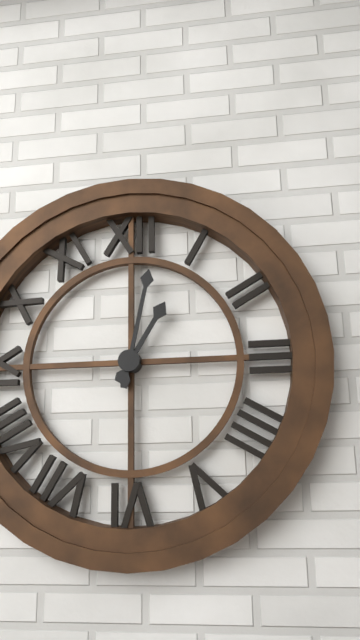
1:02
